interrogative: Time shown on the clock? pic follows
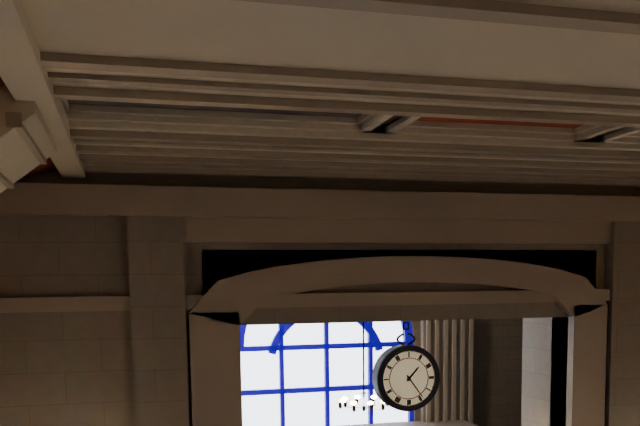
1:24
